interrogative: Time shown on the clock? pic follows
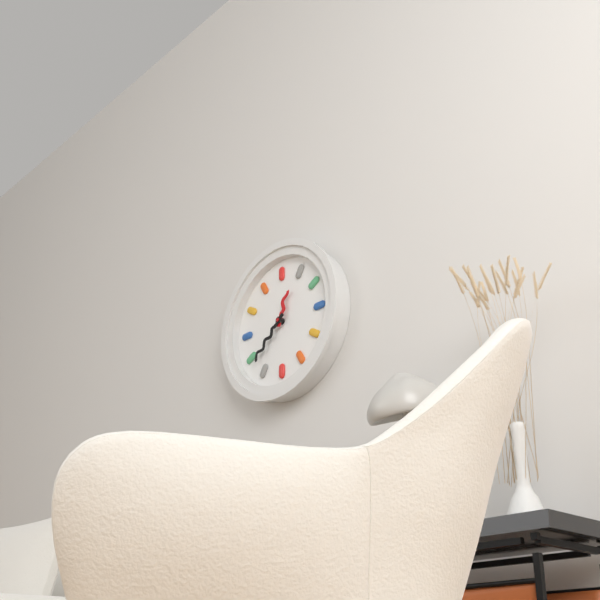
12:38
